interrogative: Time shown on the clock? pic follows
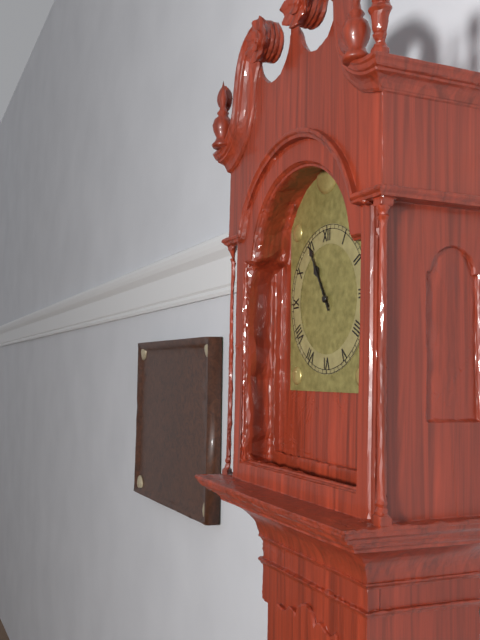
10:55
